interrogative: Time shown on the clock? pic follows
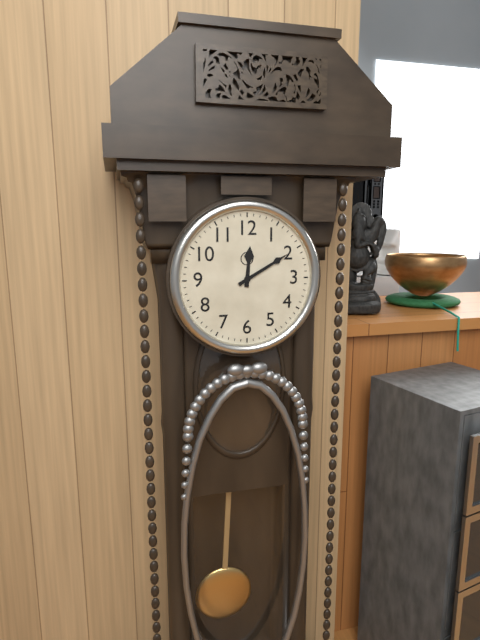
12:10
